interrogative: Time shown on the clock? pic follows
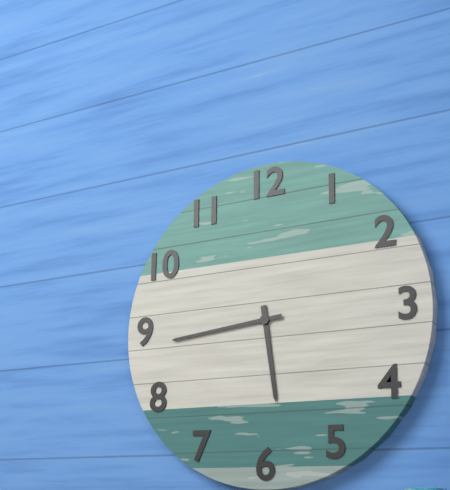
5:44
